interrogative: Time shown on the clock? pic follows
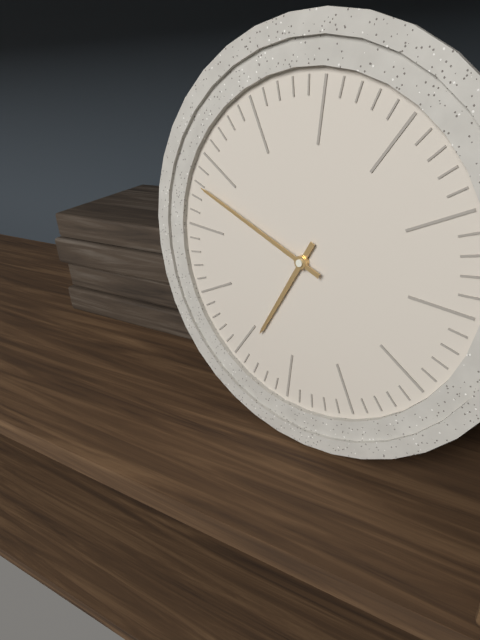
6:48
